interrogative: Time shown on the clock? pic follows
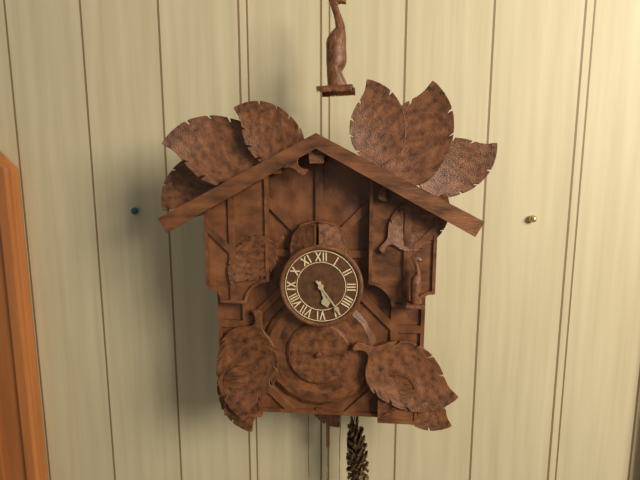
5:24
